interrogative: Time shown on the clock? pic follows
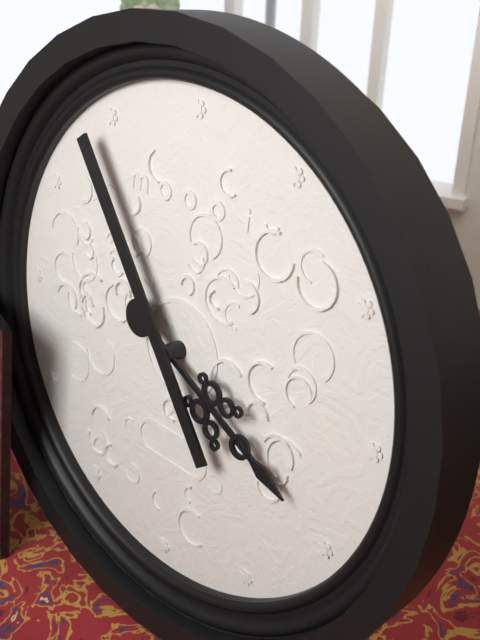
3:54
